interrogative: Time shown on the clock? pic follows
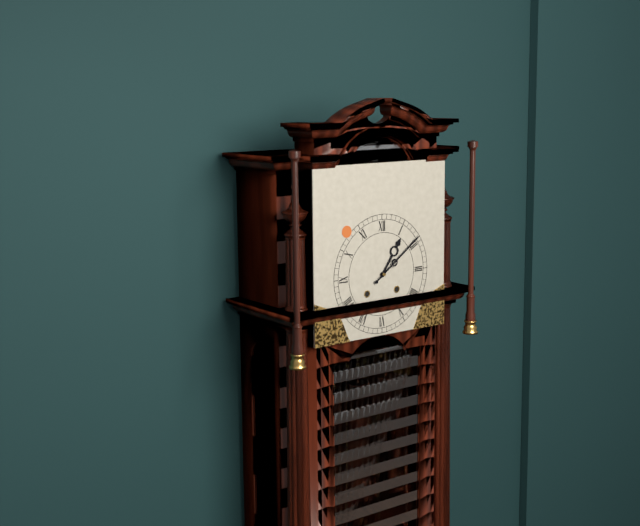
1:09
